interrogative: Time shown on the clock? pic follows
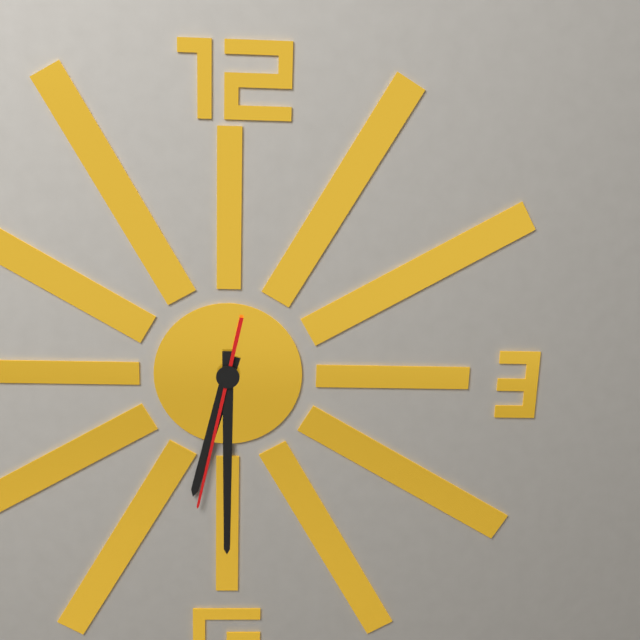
6:30:32
